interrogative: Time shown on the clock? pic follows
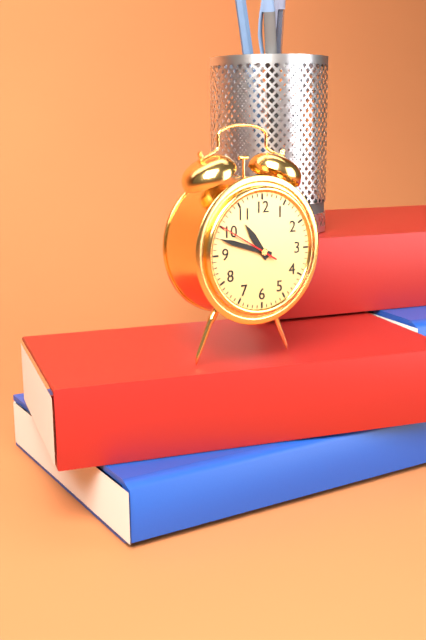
10:48:50
